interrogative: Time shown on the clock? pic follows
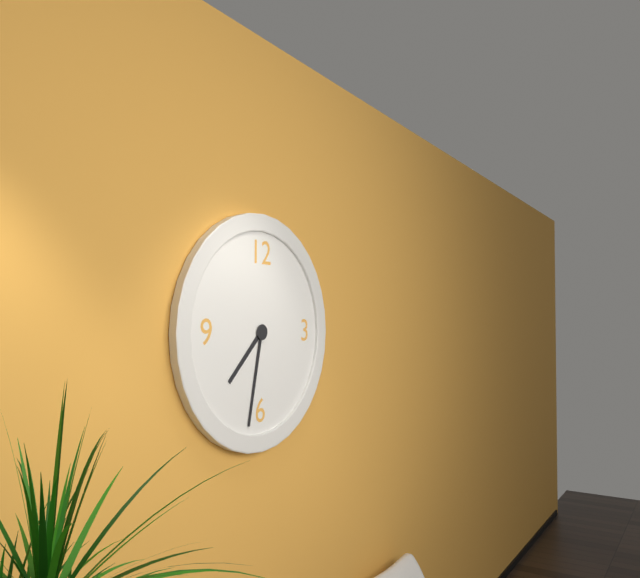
7:32
